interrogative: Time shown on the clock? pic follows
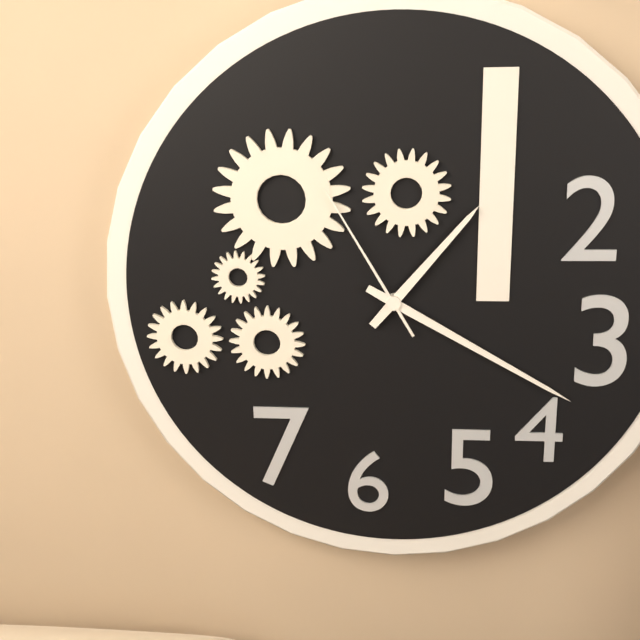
1:20:55
